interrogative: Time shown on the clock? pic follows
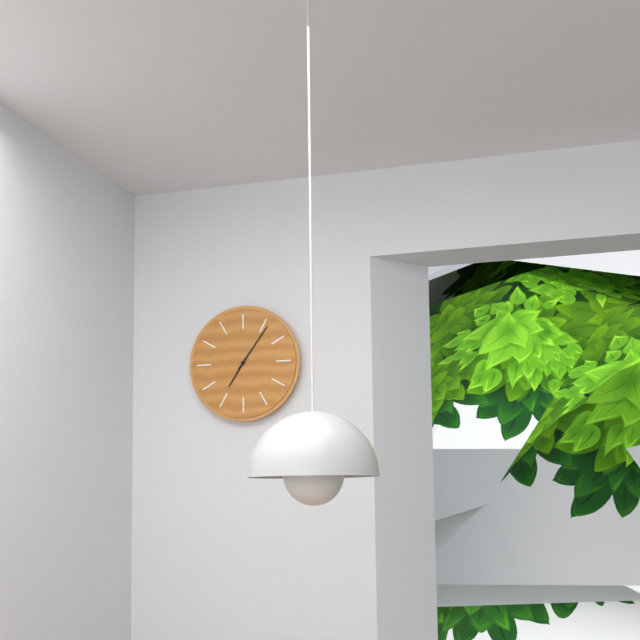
7:06
